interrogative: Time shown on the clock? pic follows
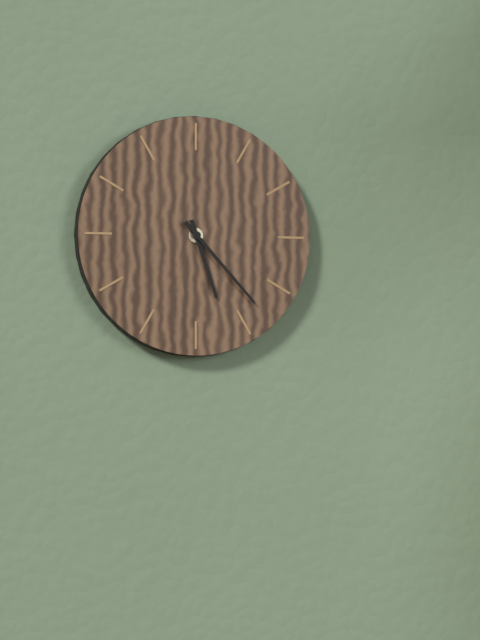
5:23
